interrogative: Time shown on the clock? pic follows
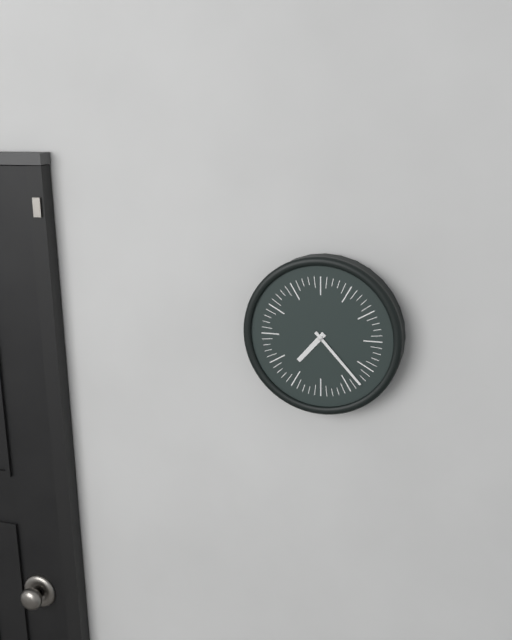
7:23
